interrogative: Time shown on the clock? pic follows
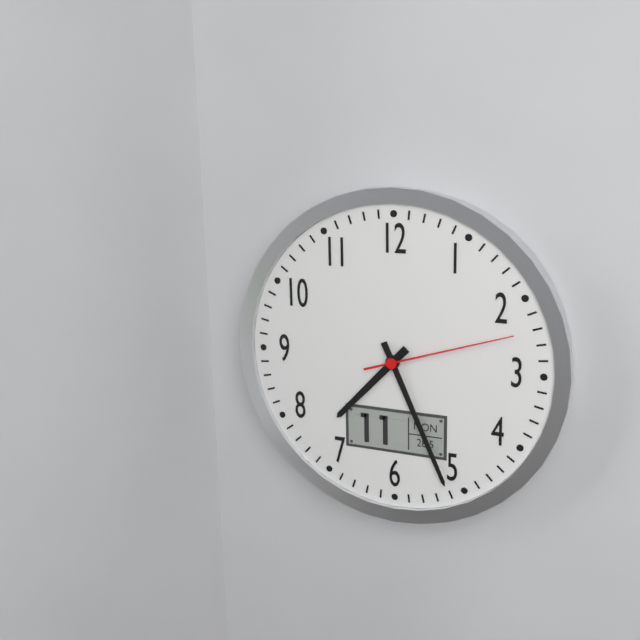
7:26:12
